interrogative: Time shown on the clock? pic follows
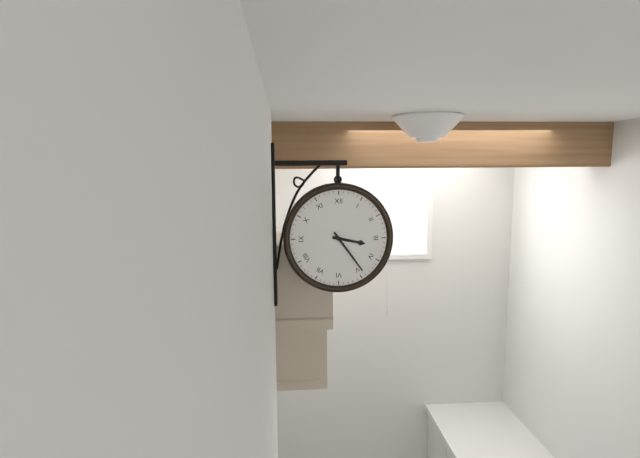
3:24
